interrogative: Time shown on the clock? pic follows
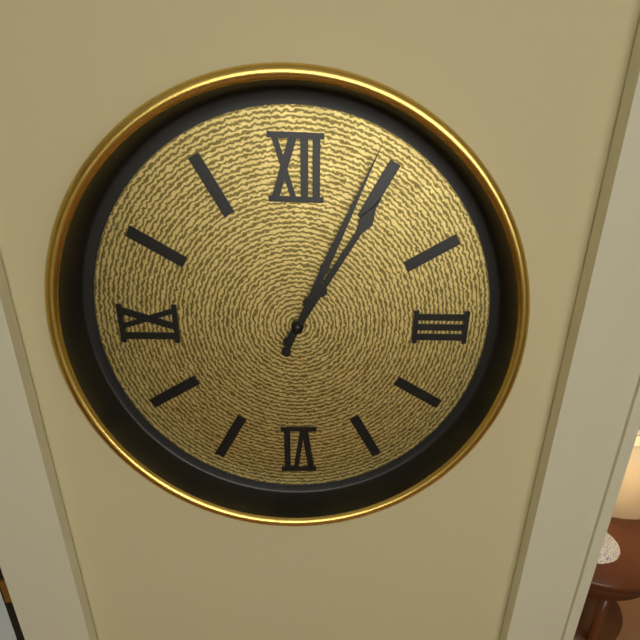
1:04
